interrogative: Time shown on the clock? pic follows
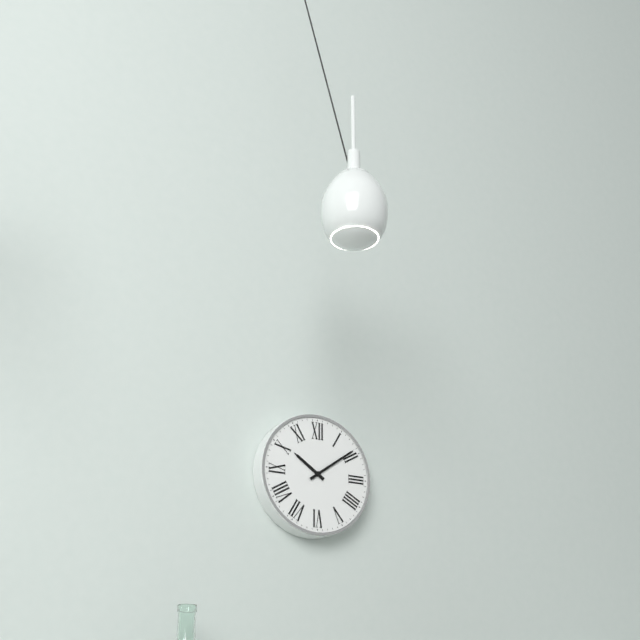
10:09
